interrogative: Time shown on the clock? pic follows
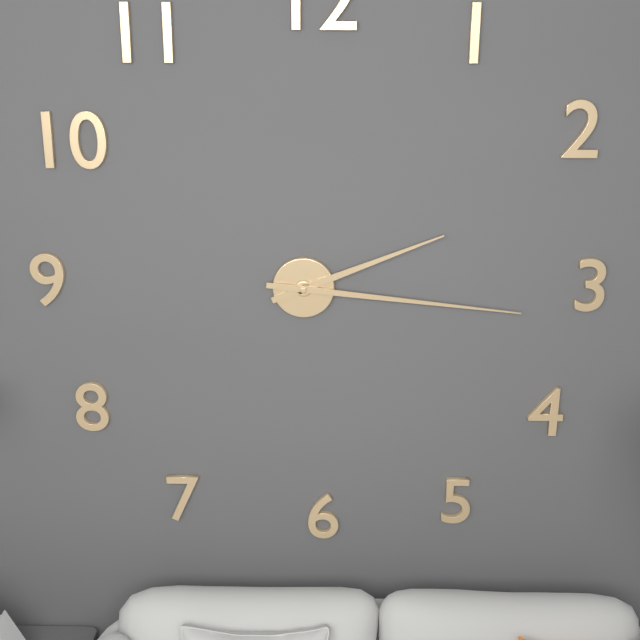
2:16
